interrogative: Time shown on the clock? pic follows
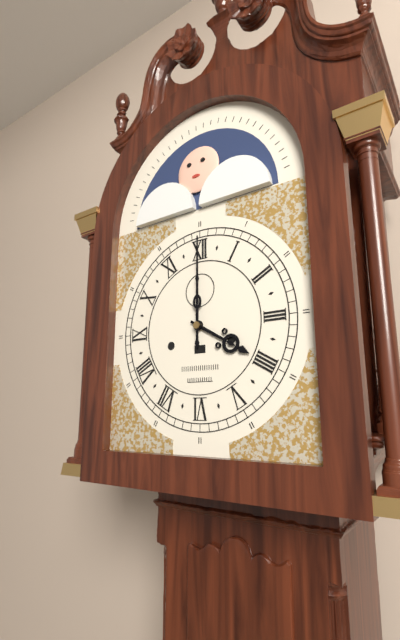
4:00
